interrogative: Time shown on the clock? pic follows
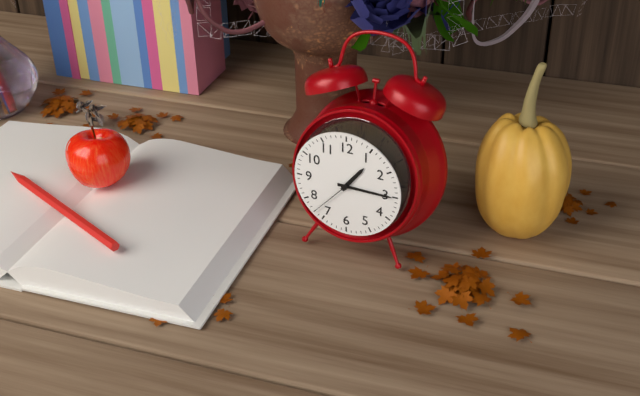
1:15:37
